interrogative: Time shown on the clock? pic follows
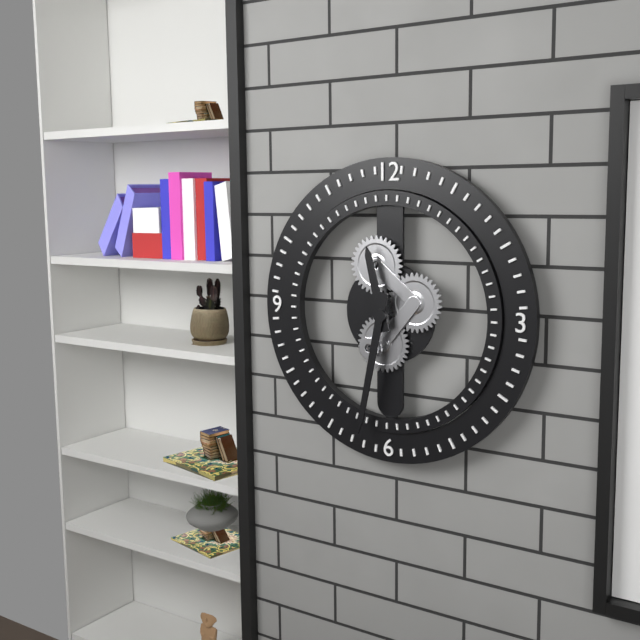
11:32
